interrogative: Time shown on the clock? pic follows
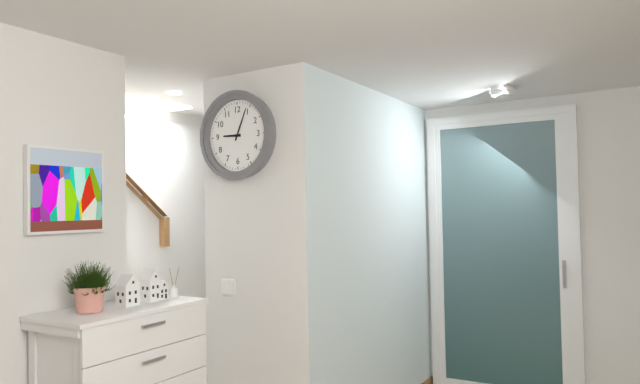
9:04
